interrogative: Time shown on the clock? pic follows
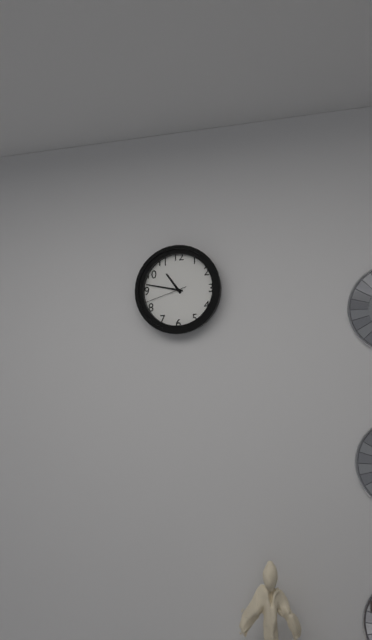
10:47
